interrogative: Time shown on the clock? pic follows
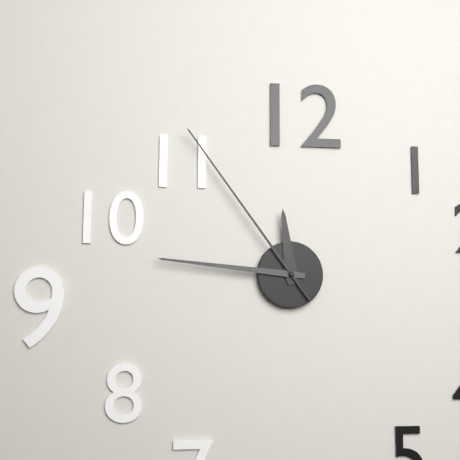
11:46:54
